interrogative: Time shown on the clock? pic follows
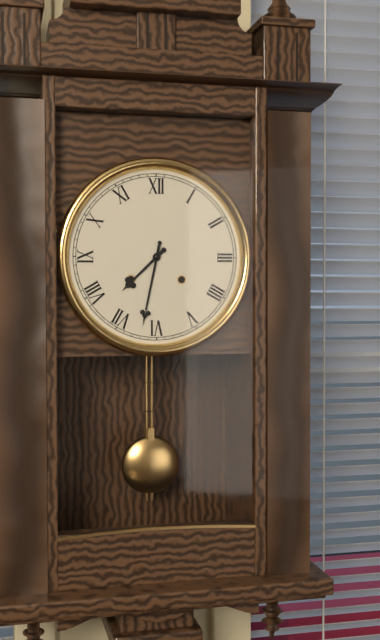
7:32
